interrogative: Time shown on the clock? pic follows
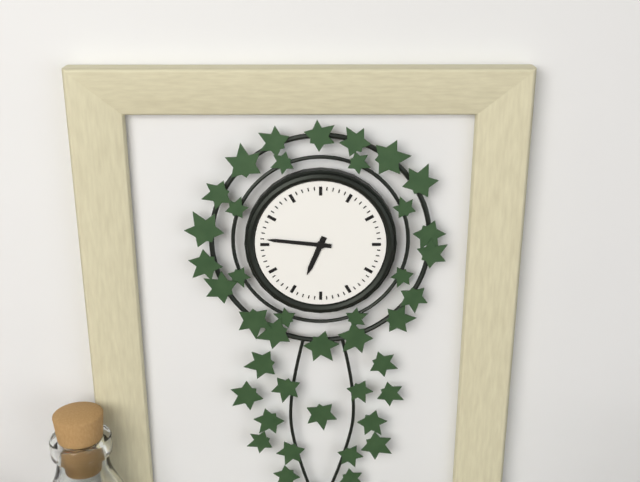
6:46
